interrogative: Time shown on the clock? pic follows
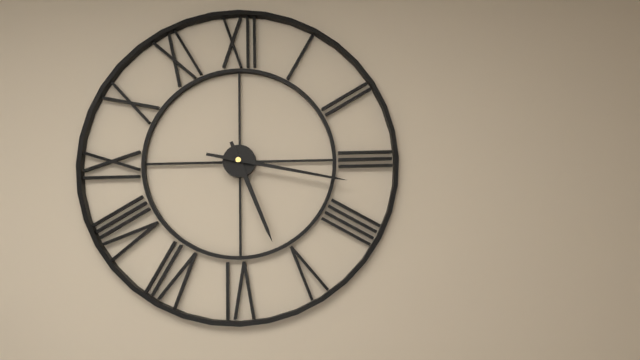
5:17
